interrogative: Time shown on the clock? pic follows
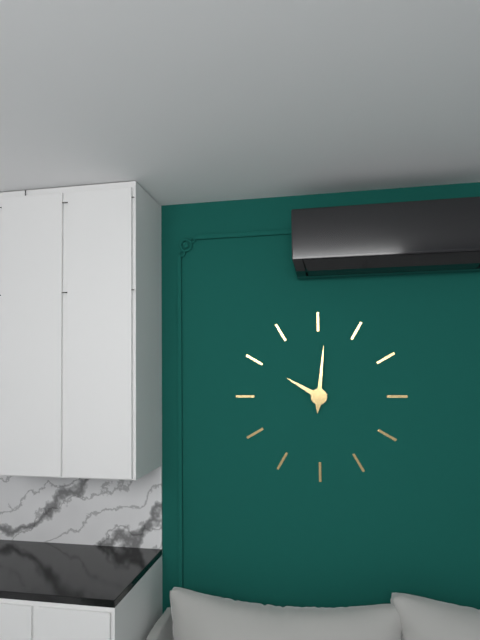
10:01
